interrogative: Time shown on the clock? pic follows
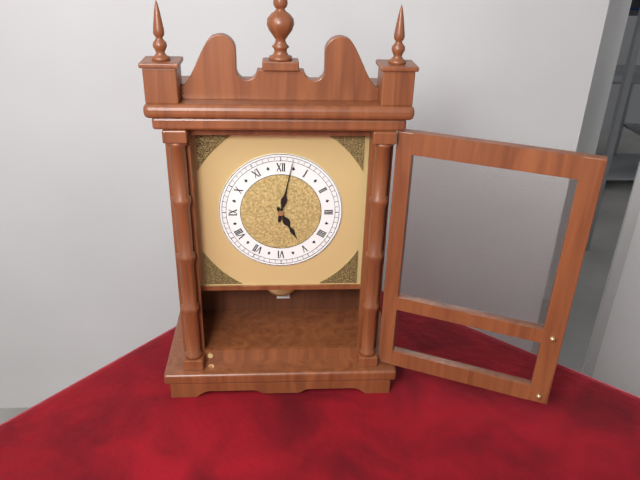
5:02
